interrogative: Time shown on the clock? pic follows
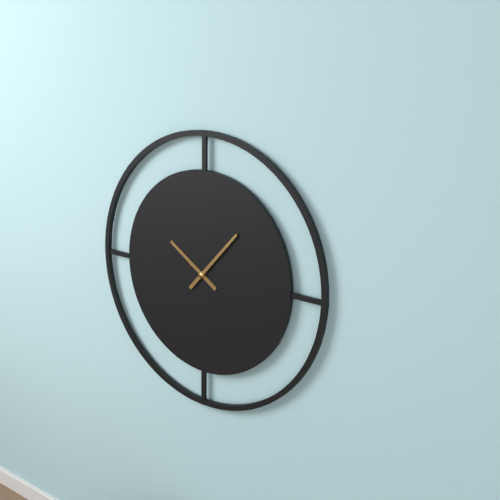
10:07
